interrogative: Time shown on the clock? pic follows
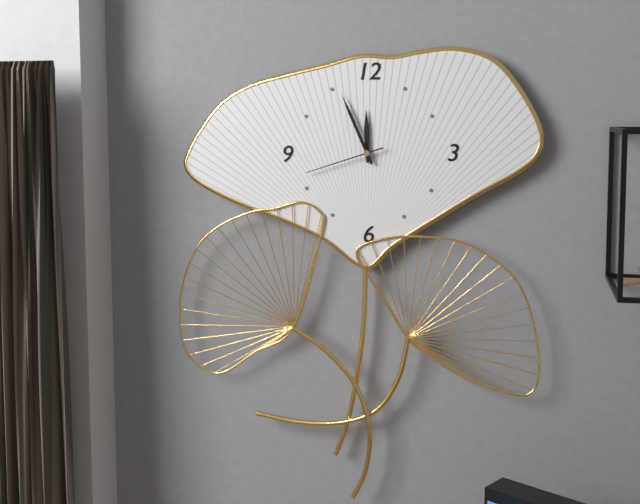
11:56:42
